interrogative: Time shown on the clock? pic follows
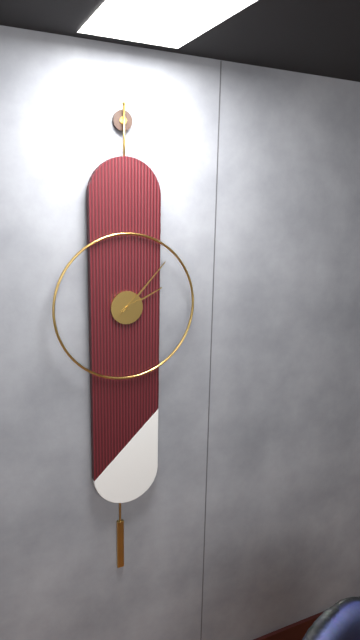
2:07
